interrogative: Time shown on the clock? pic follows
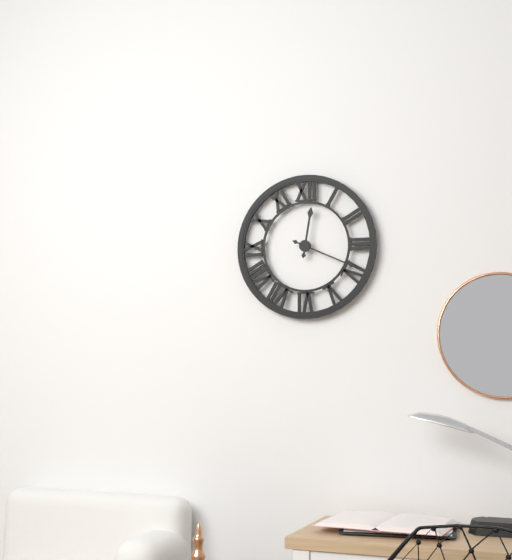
12:19
